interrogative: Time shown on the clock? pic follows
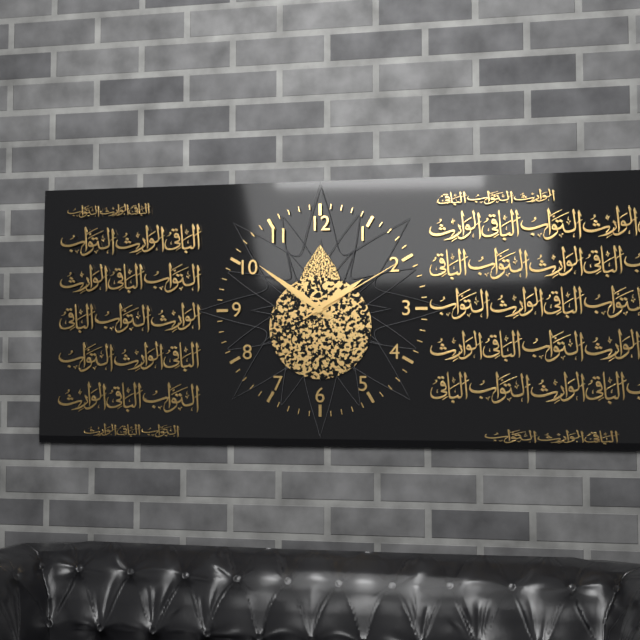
1:51:10
